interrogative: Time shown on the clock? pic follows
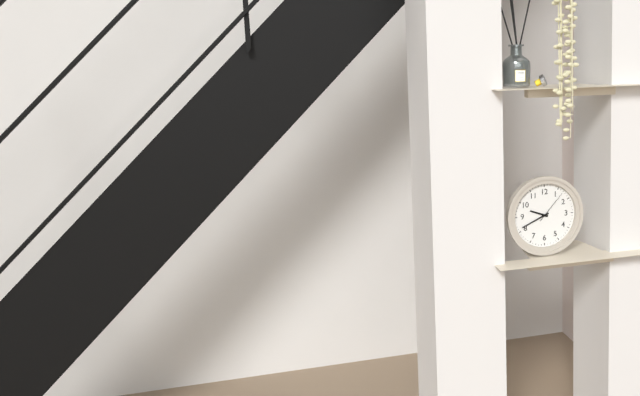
9:41
